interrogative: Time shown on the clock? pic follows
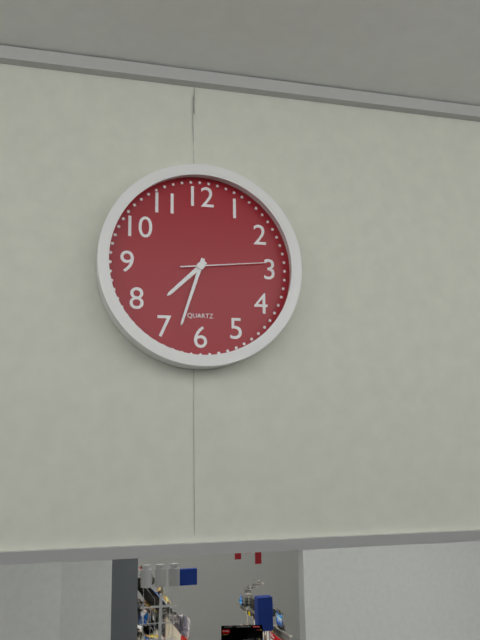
7:33:14
